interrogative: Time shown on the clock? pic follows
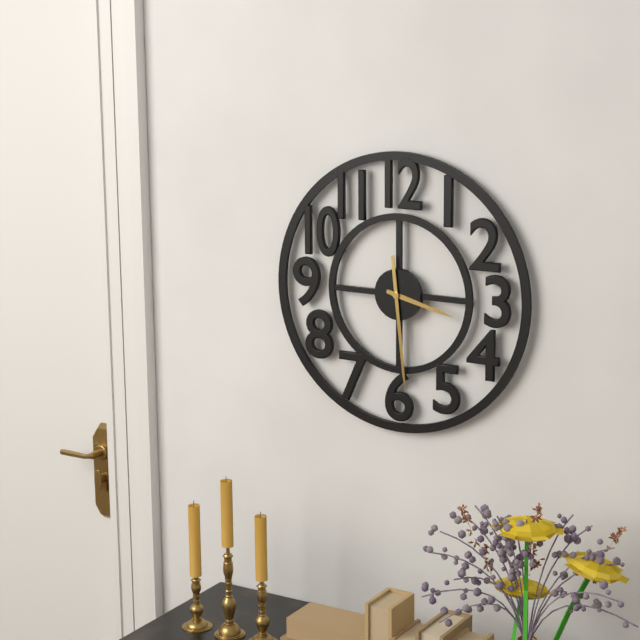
3:29
